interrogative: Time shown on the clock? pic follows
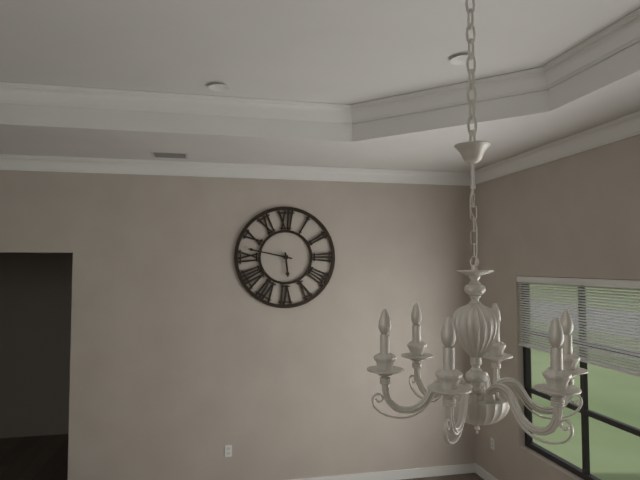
5:47
